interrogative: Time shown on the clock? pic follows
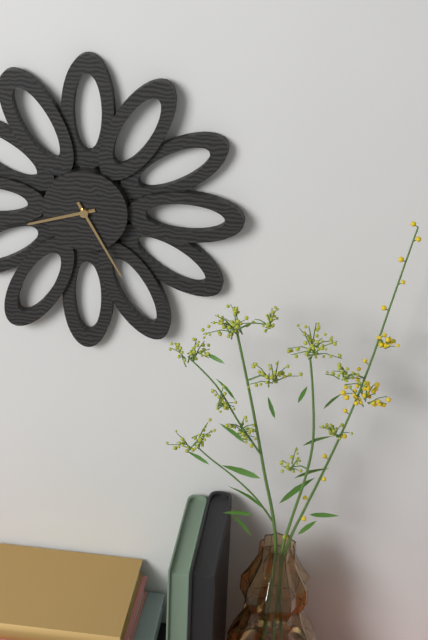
8:25
